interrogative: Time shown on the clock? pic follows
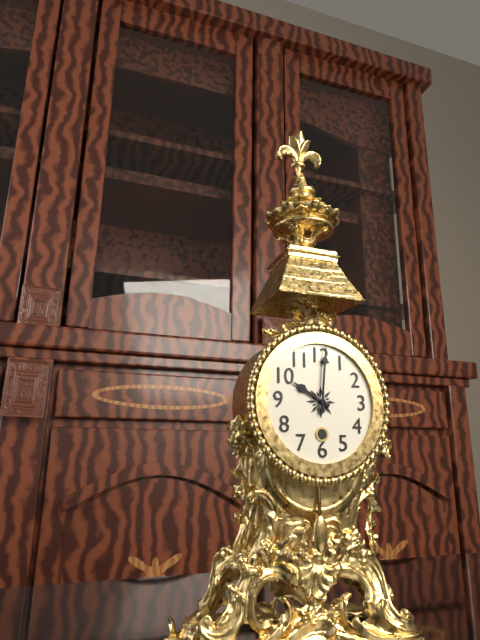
10:01
